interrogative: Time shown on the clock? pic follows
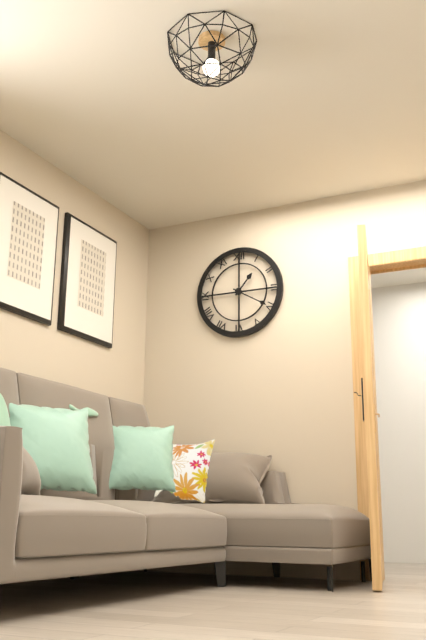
1:20
